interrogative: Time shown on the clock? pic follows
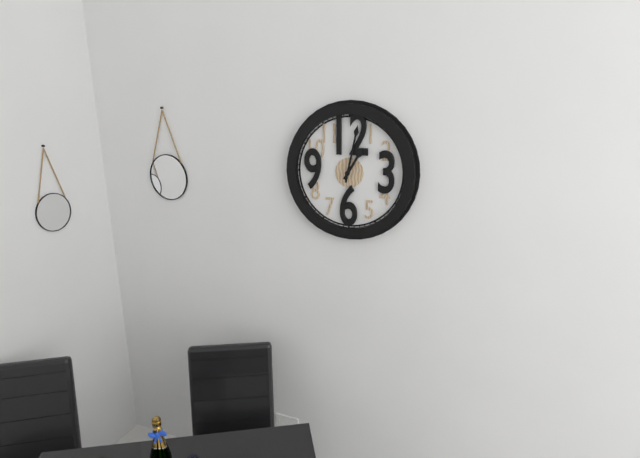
1:02
